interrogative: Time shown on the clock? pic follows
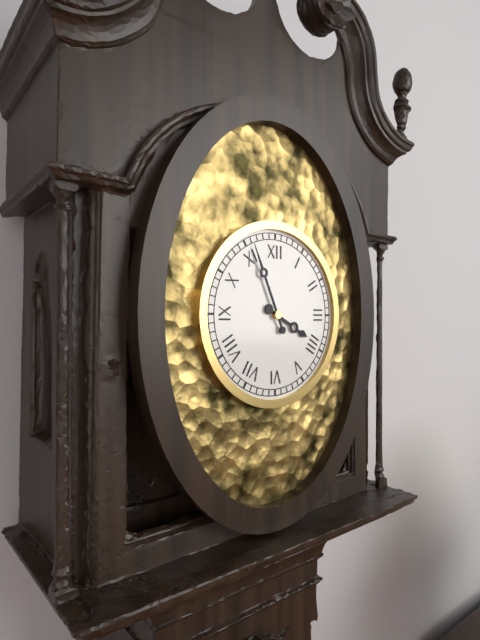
3:56
